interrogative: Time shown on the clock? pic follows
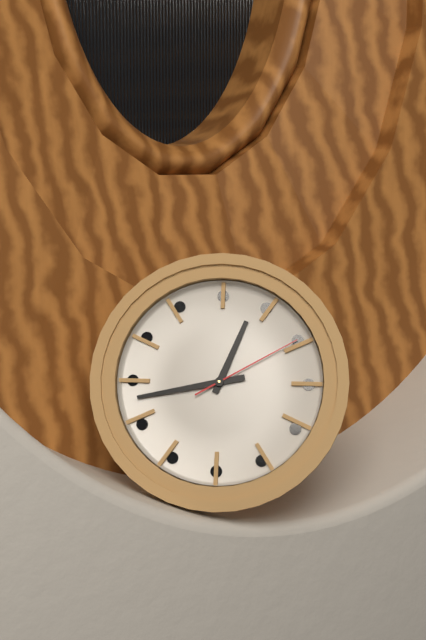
12:43:10
